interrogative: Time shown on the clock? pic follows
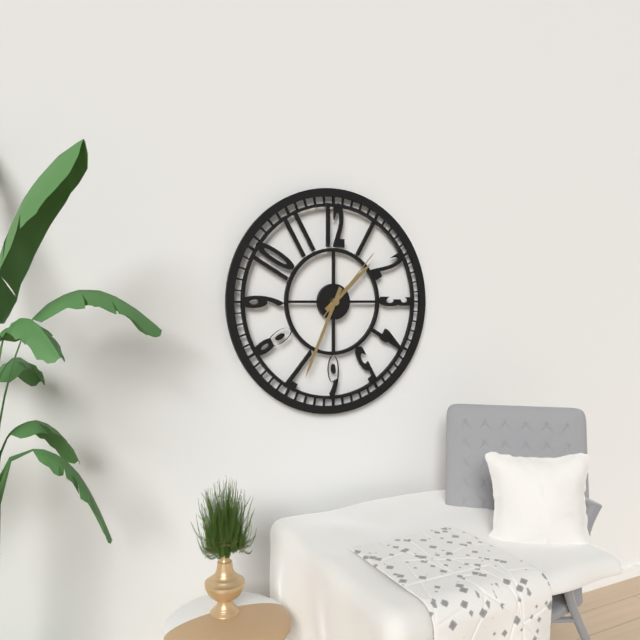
1:34:07
